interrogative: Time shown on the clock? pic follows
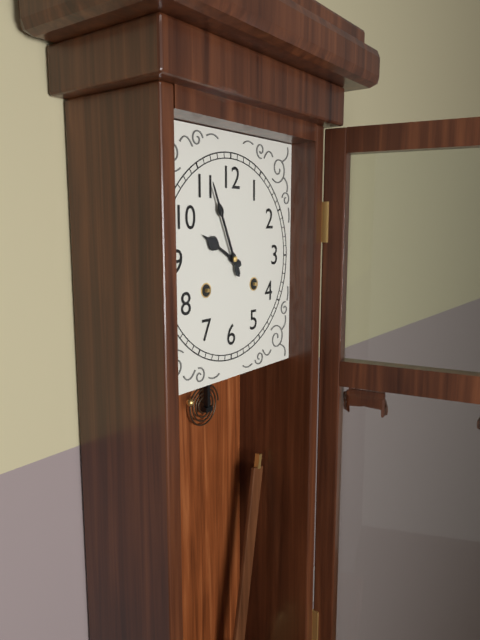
9:56
